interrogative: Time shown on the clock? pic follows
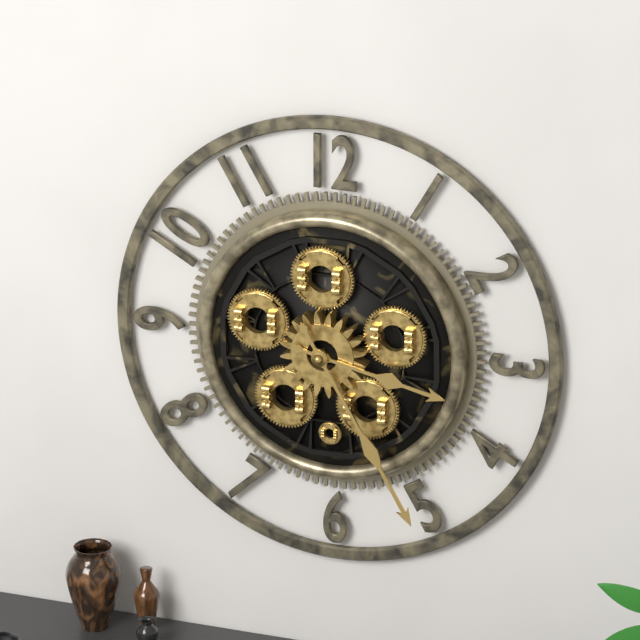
3:25
